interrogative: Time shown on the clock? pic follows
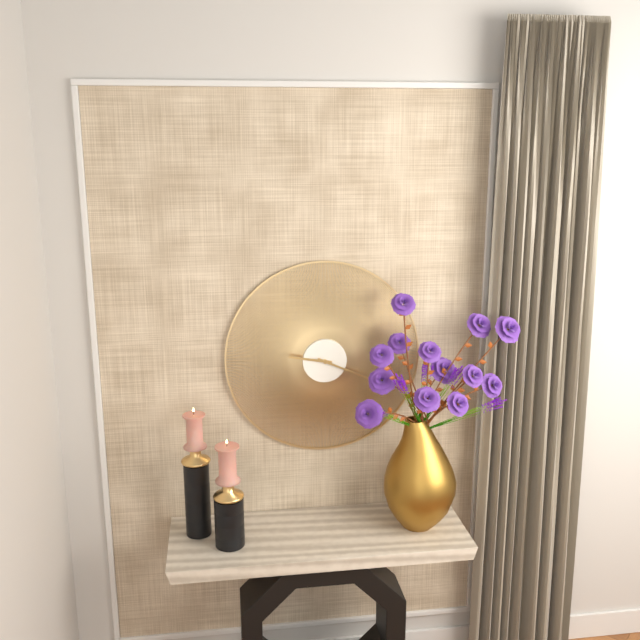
9:19
